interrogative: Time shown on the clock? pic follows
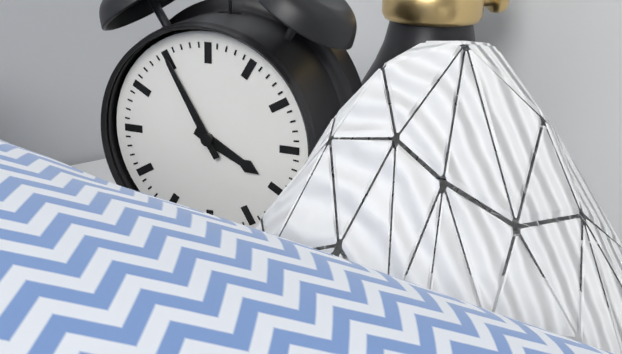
3:55
